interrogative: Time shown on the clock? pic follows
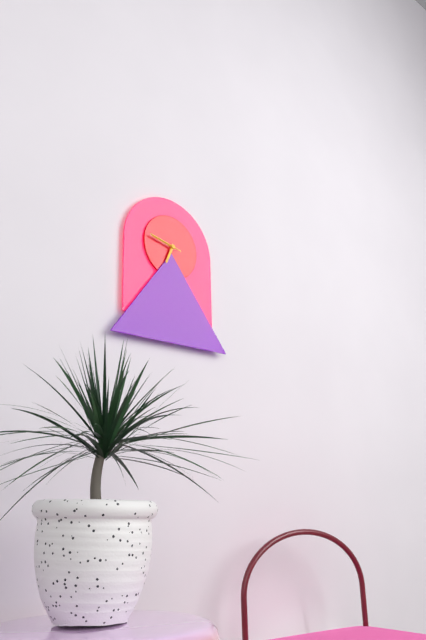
6:47
